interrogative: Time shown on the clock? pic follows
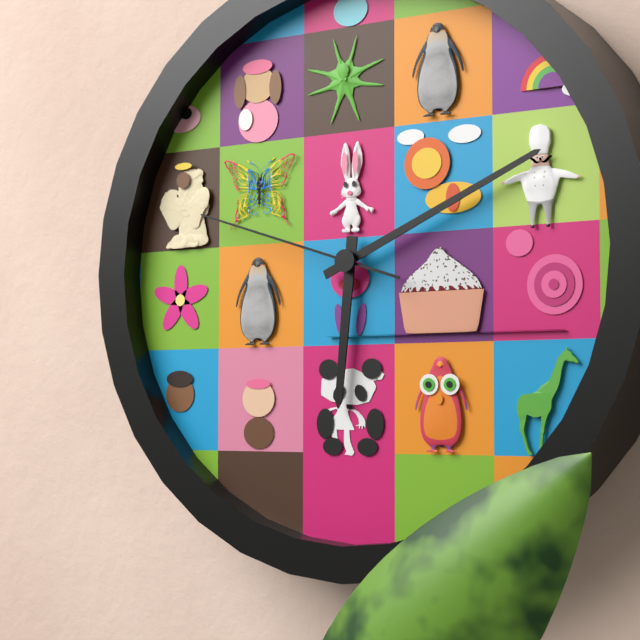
6:11:48
